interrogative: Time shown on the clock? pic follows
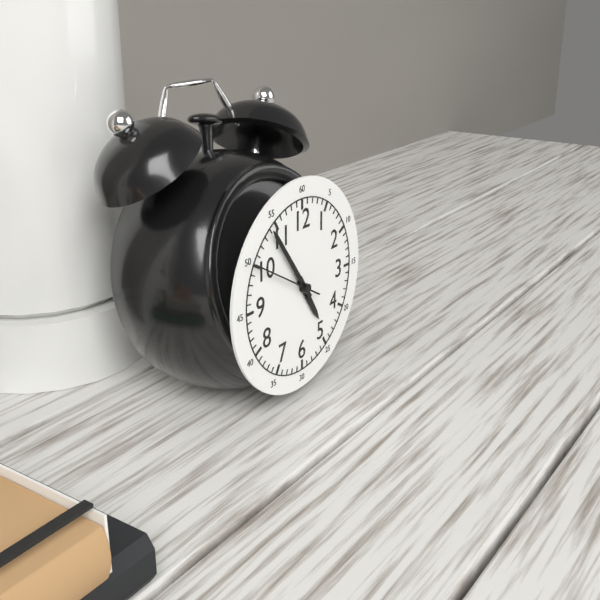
4:54:50
